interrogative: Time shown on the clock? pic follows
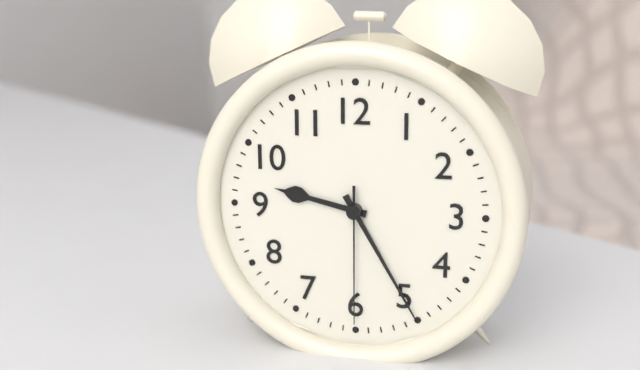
9:25:30
